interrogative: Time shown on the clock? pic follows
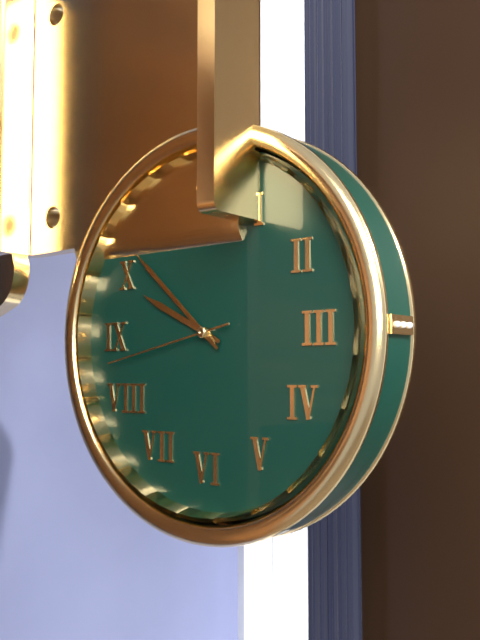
9:52:43
